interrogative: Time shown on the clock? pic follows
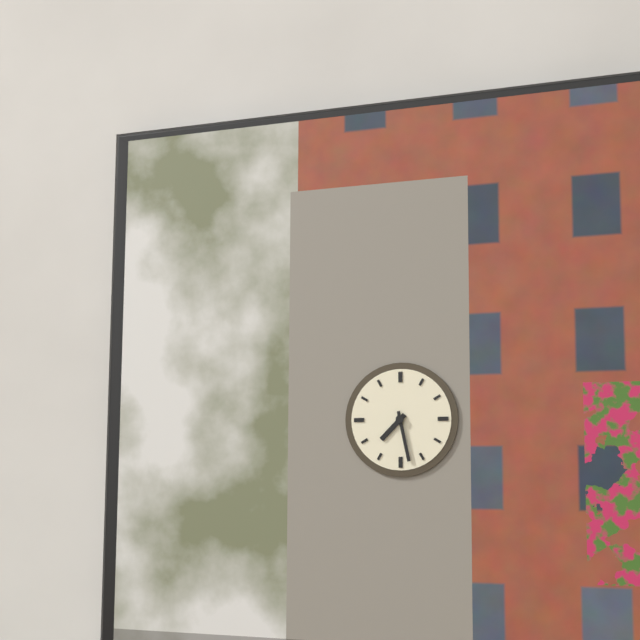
7:28
